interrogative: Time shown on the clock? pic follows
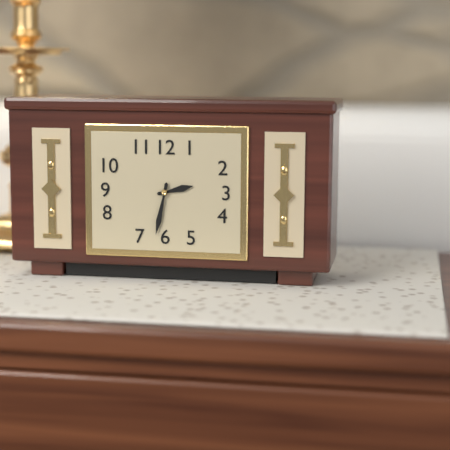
2:32
